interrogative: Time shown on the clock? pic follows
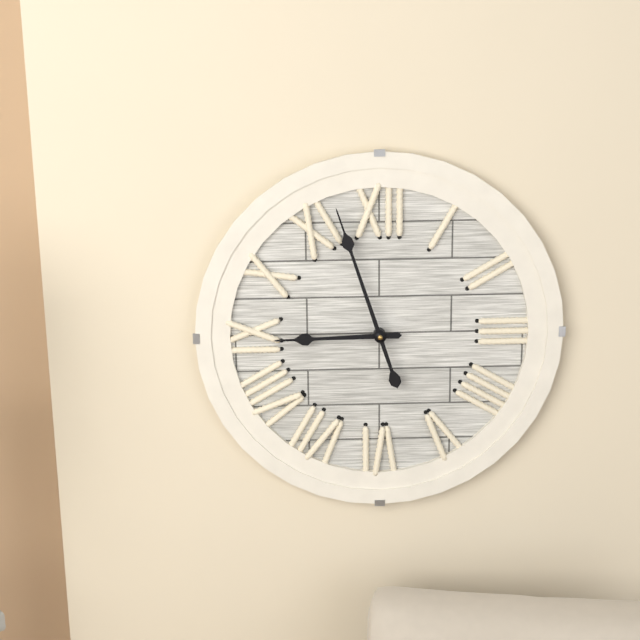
8:57
